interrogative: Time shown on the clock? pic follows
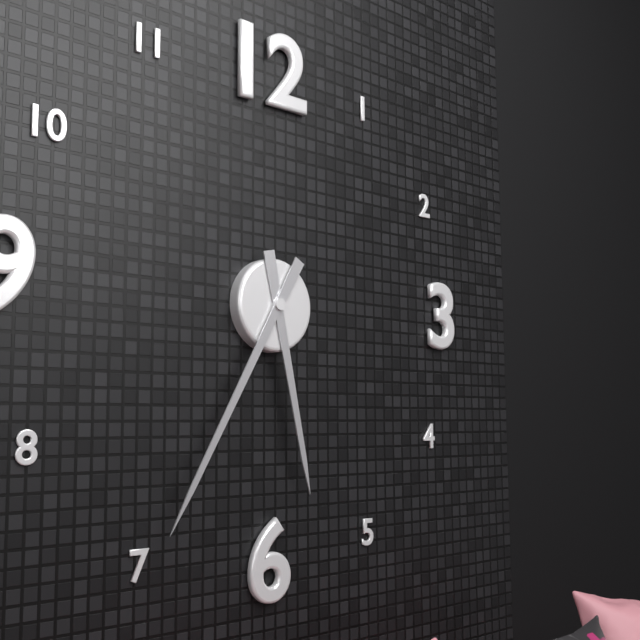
5:35
